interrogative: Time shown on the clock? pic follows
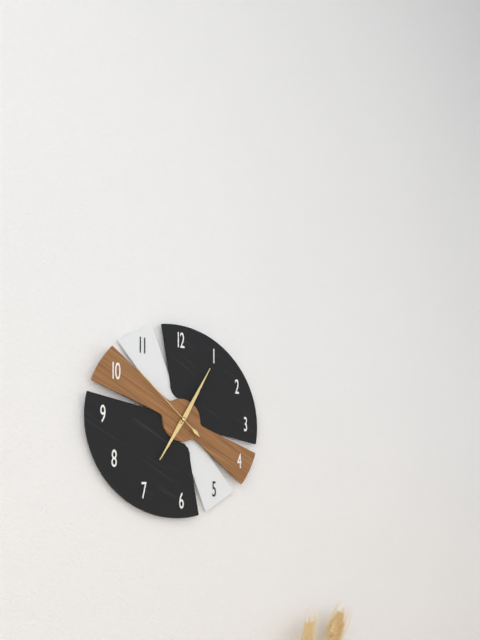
7:05:52
